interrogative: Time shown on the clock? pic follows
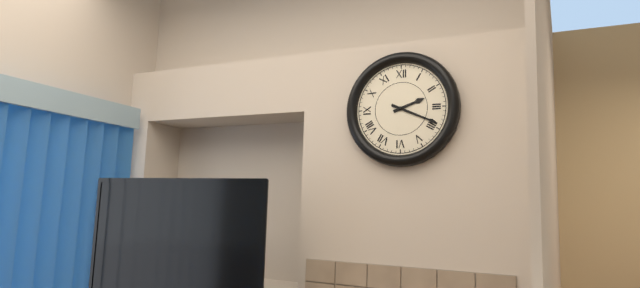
2:19
